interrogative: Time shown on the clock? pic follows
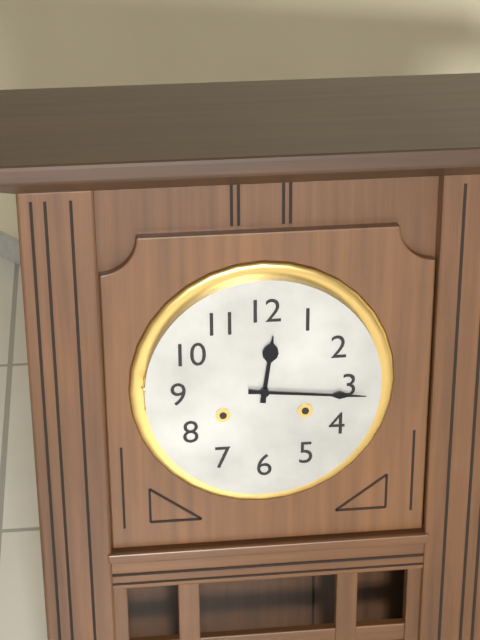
12:16
